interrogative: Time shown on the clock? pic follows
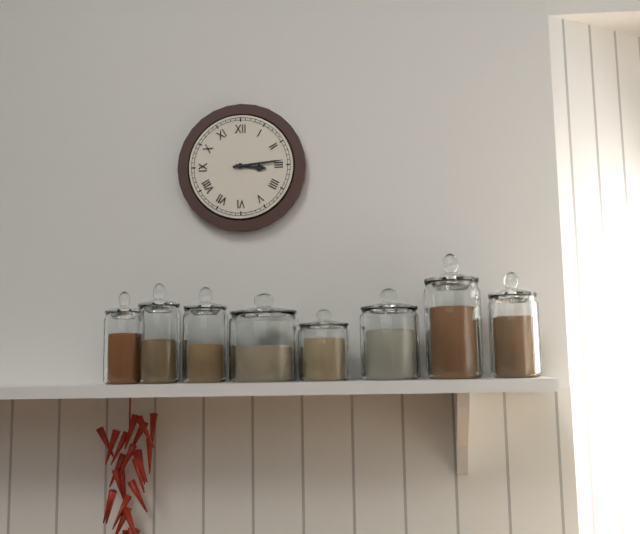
3:14
